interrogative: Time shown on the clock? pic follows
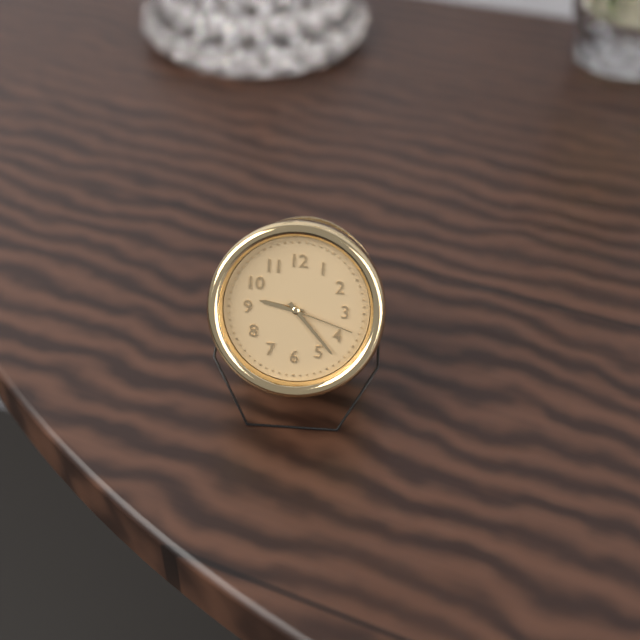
9:23:18
